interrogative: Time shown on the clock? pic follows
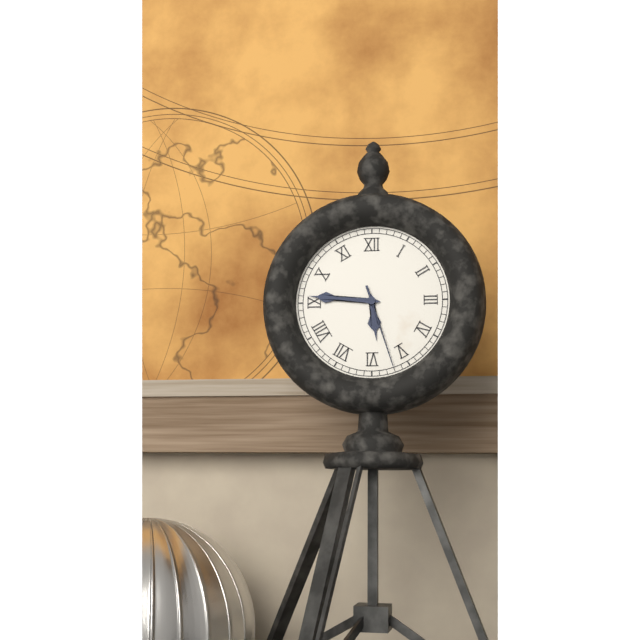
5:46:27
